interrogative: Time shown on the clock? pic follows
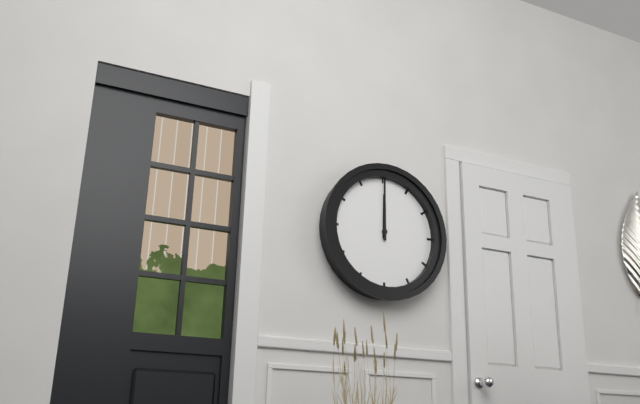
12:00
